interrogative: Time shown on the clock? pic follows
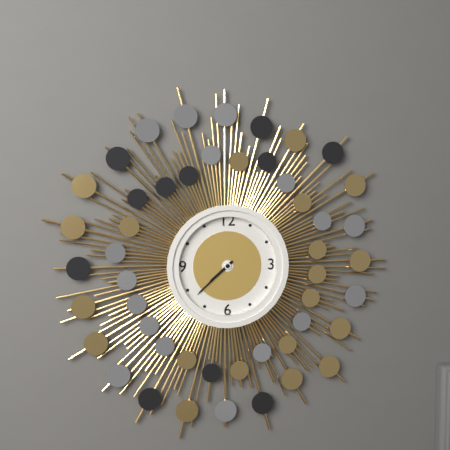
7:38
